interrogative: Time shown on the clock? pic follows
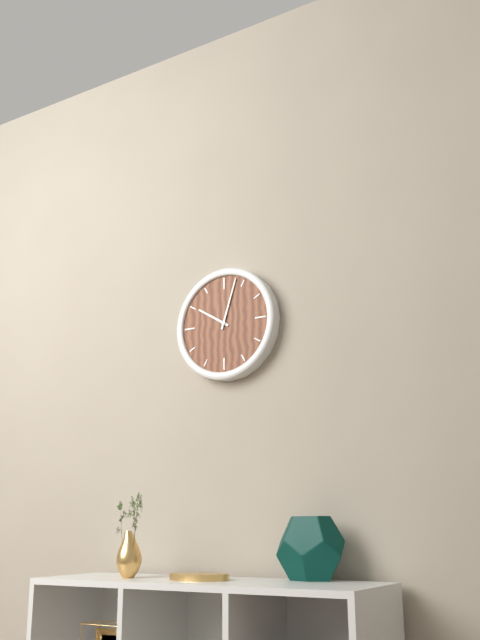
10:03
